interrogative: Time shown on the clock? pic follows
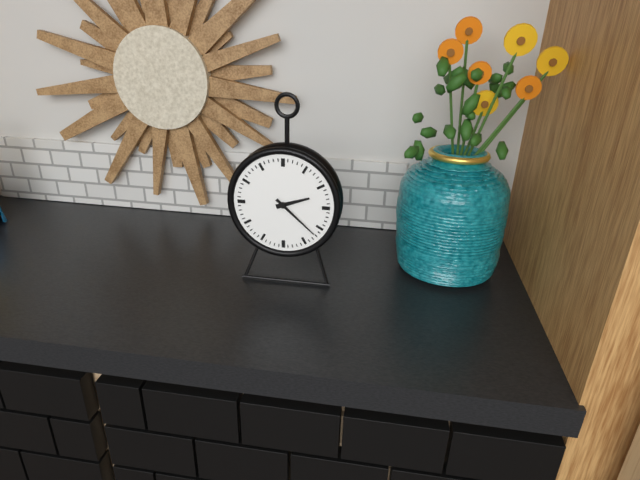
2:22
